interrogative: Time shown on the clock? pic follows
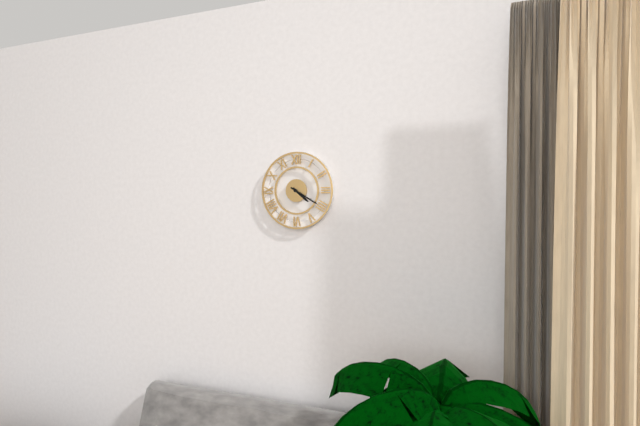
4:20
